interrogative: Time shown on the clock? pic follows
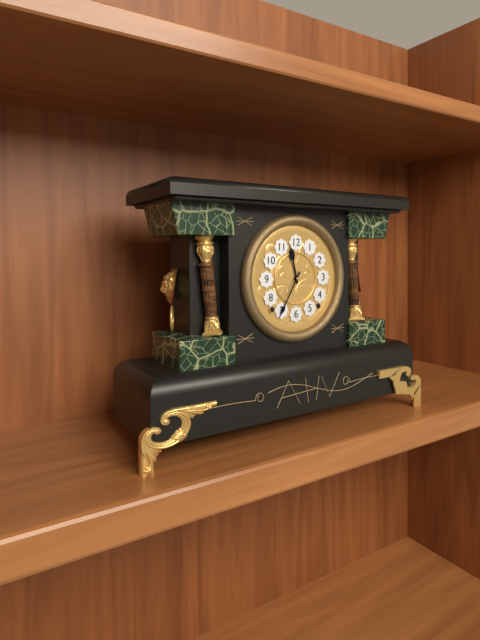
11:35
